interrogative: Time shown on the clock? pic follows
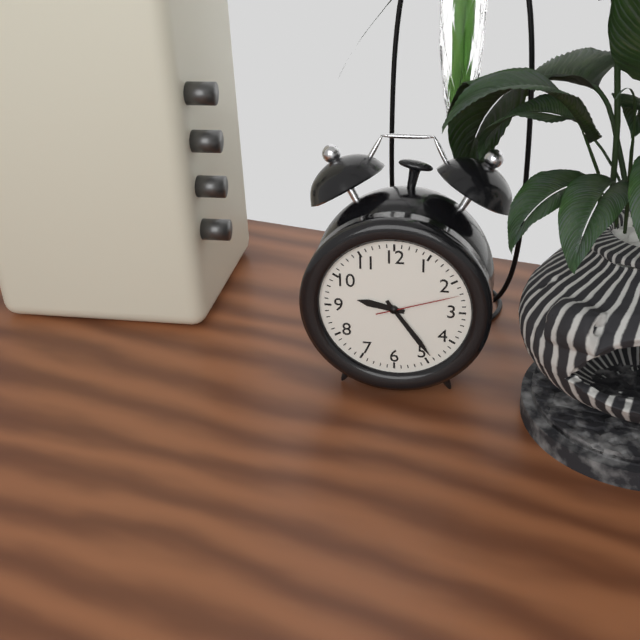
9:24:12
